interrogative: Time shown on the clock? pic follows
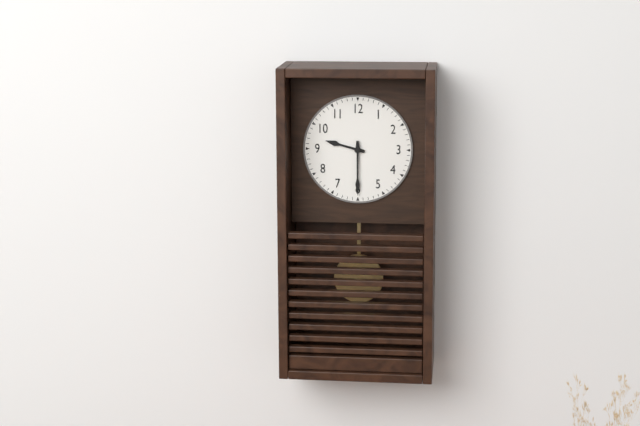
9:30
